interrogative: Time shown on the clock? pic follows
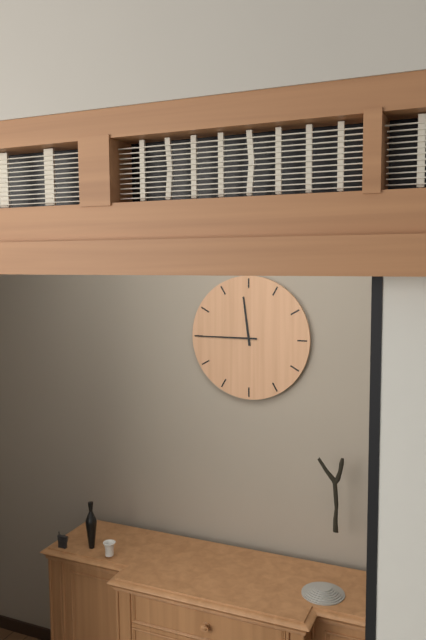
11:45
